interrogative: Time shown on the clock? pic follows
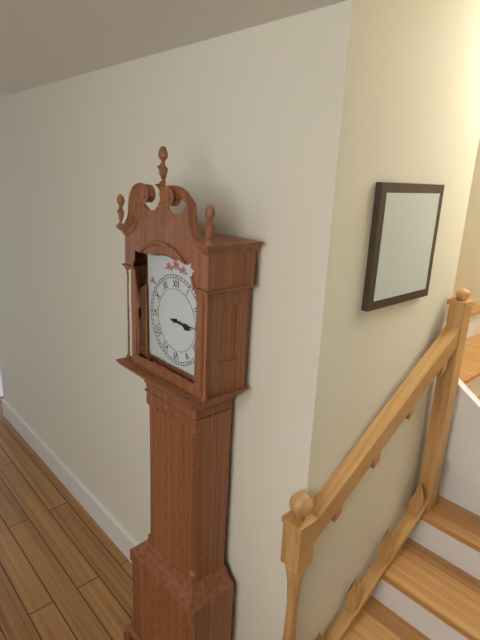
3:15
